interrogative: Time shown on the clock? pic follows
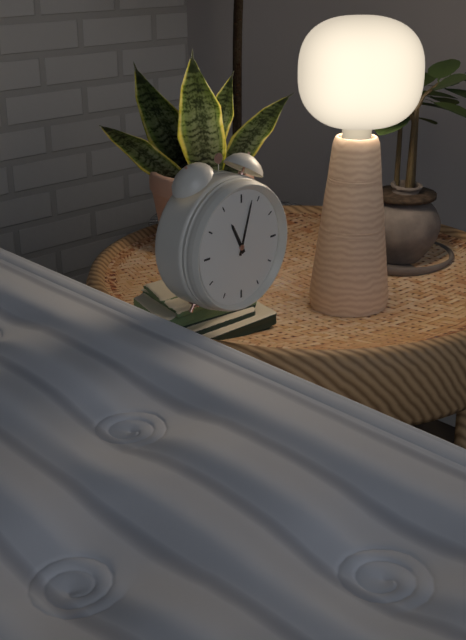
11:03
